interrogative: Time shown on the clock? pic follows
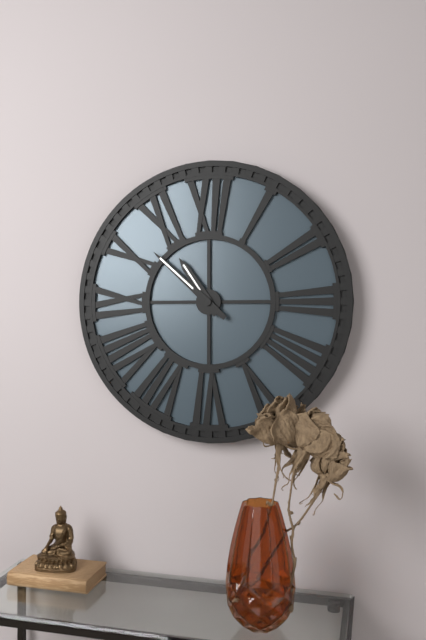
10:52
